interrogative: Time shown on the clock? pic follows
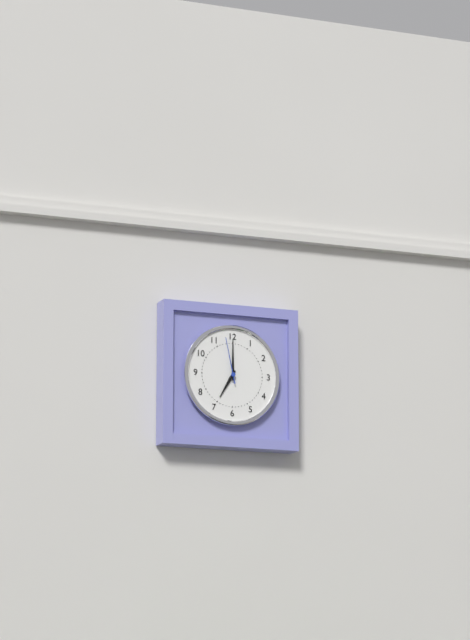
7:00
